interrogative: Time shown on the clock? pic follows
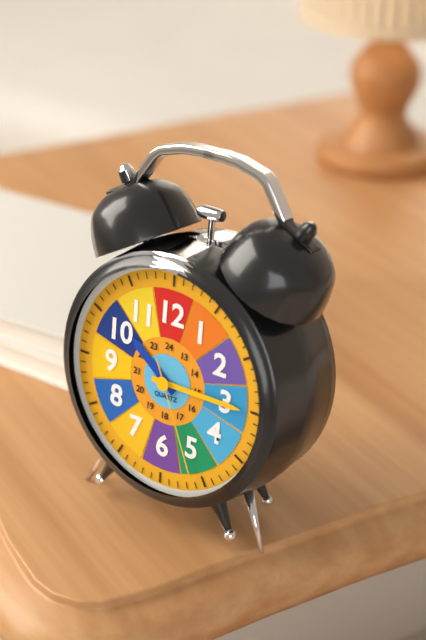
10:15:26
